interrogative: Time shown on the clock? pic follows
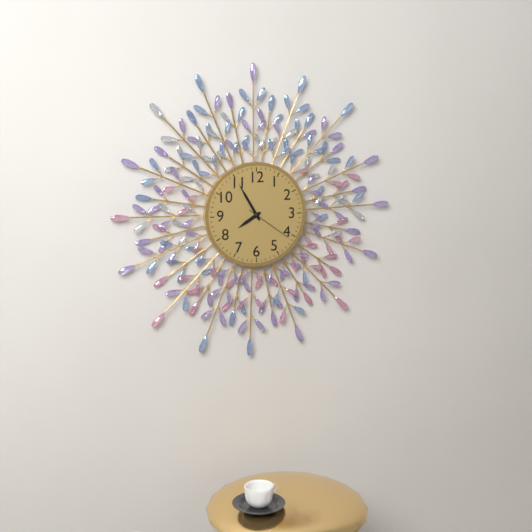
7:55:21
